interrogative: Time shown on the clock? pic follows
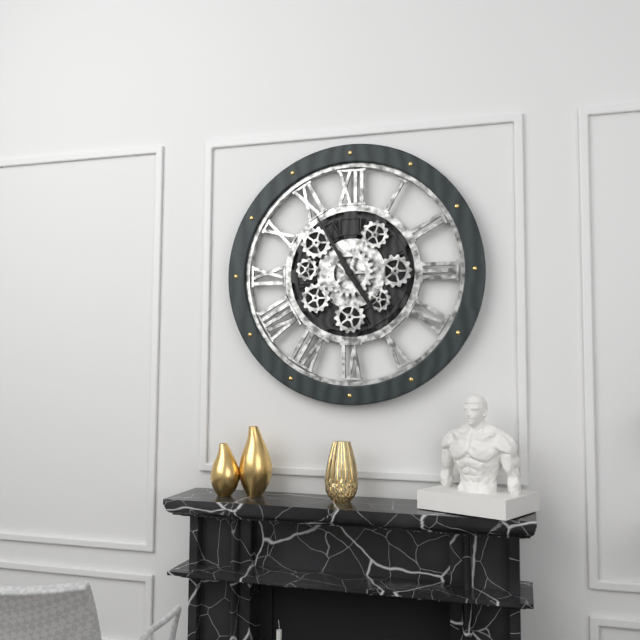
4:55
